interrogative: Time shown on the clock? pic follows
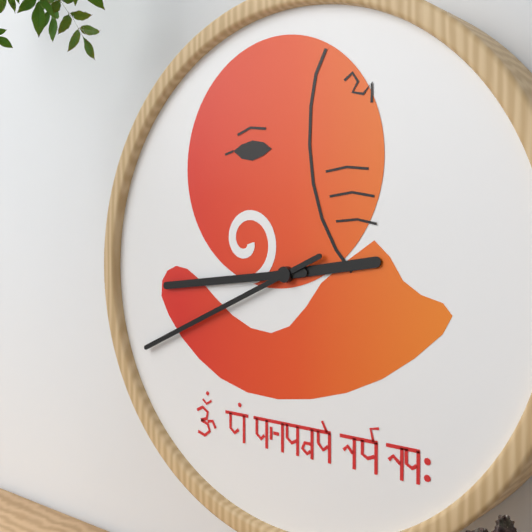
2:44:41
